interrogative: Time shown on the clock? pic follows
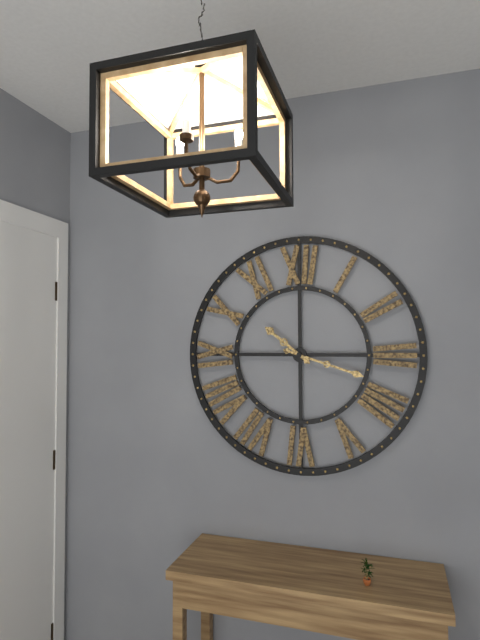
10:18
